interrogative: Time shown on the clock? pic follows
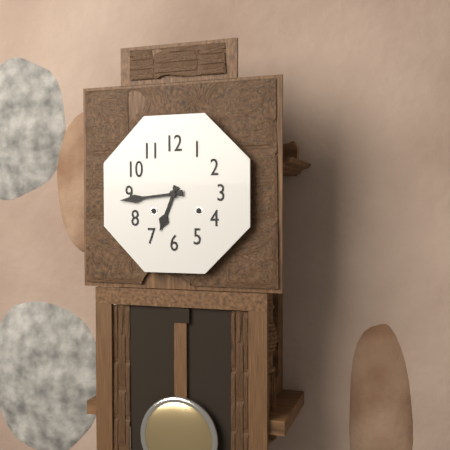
6:44
